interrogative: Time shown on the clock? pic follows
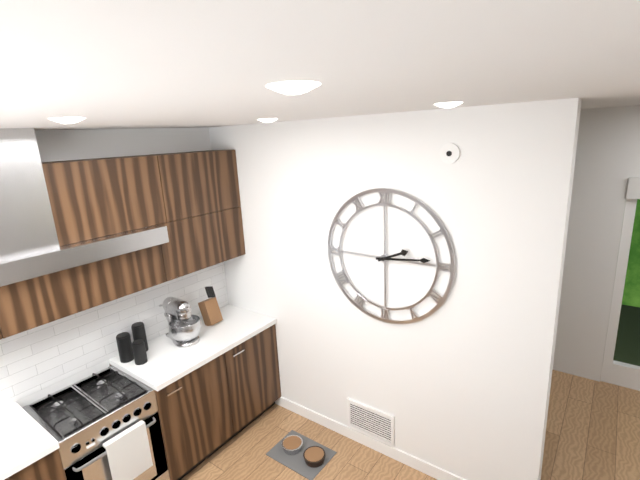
2:14
